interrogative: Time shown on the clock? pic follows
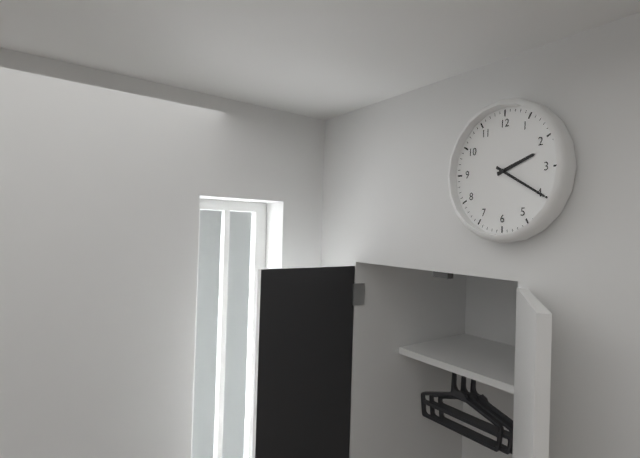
2:20
